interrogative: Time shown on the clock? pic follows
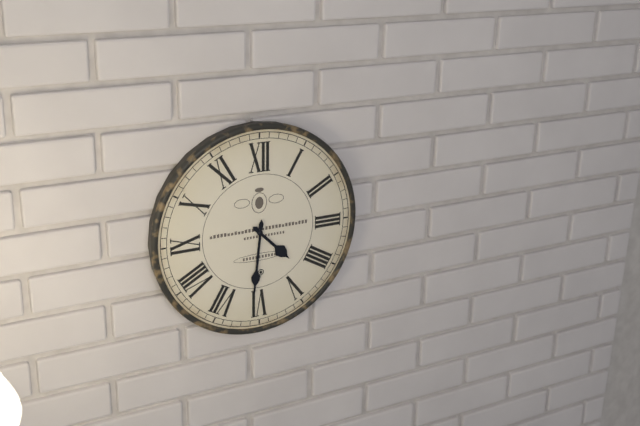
4:31
